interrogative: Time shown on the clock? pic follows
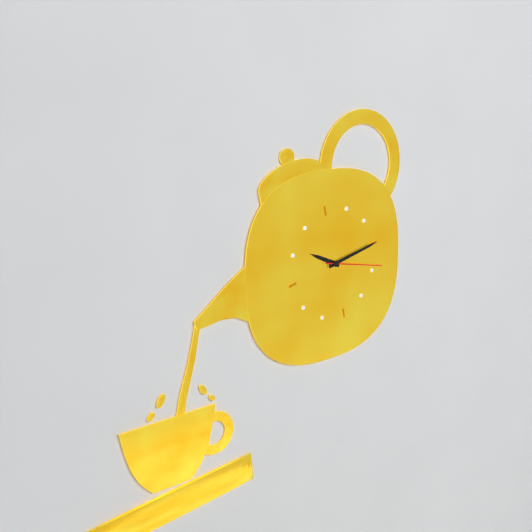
10:15:19
